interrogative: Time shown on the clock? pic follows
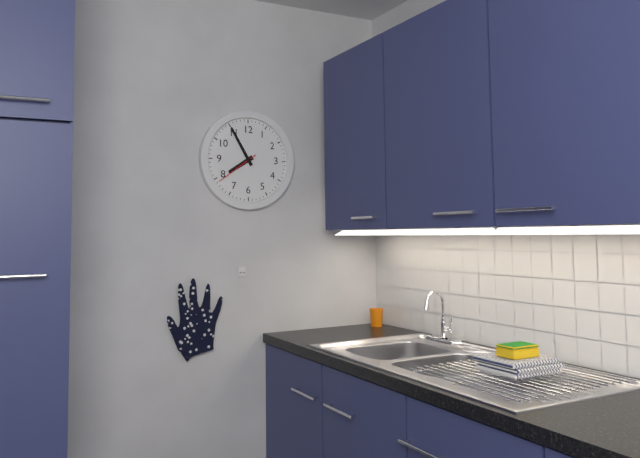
7:55
